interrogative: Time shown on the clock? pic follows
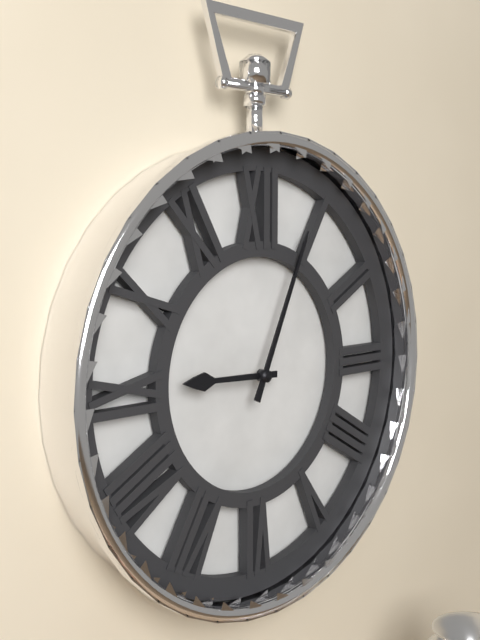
9:04
